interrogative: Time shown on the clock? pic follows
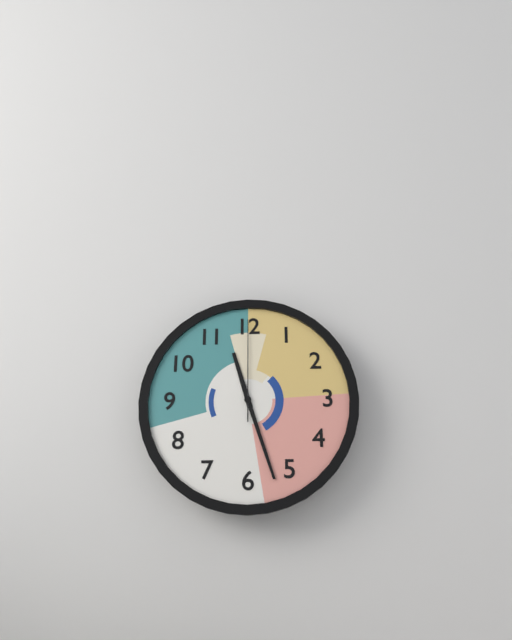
11:27:00
